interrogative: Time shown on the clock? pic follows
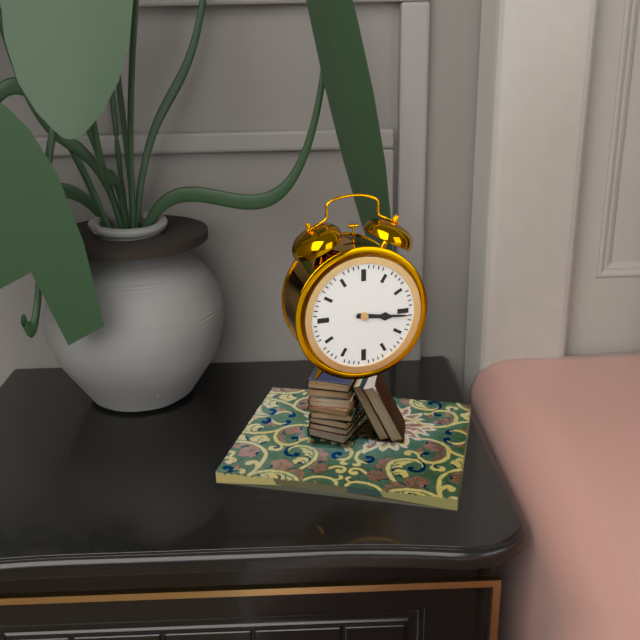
3:16
